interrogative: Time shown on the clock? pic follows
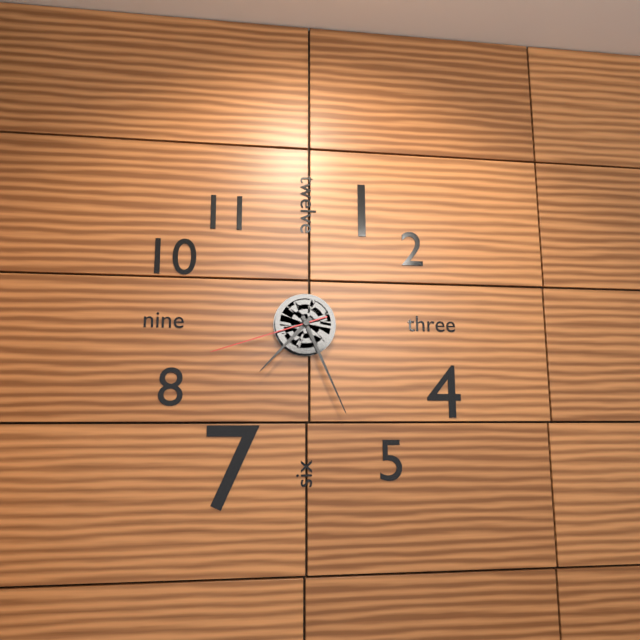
7:26:42
